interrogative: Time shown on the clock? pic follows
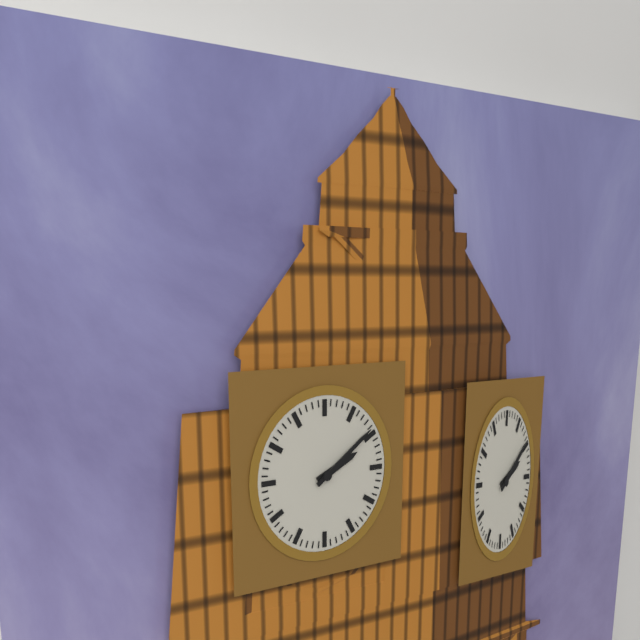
2:09
